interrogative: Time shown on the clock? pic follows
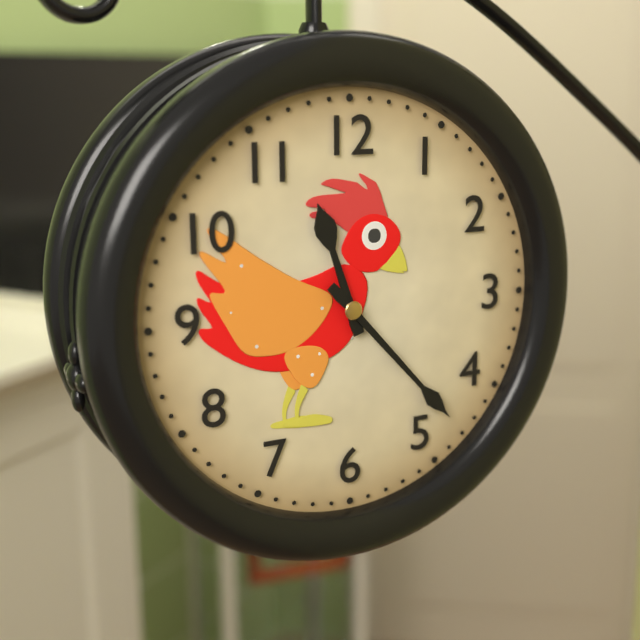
11:23
